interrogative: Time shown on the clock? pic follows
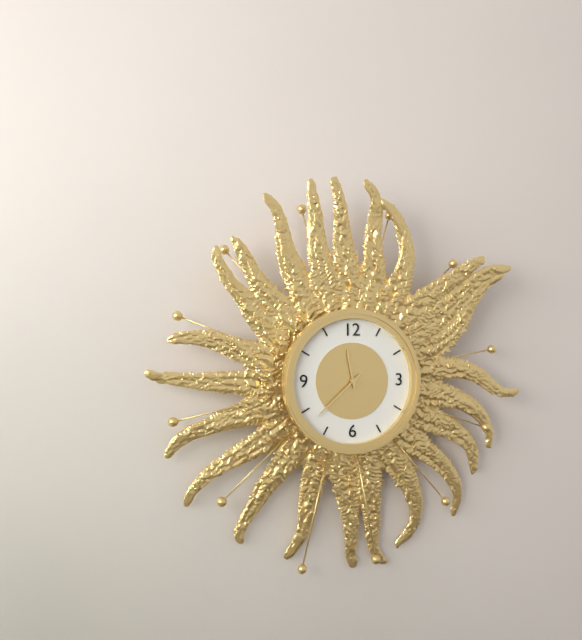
11:38
